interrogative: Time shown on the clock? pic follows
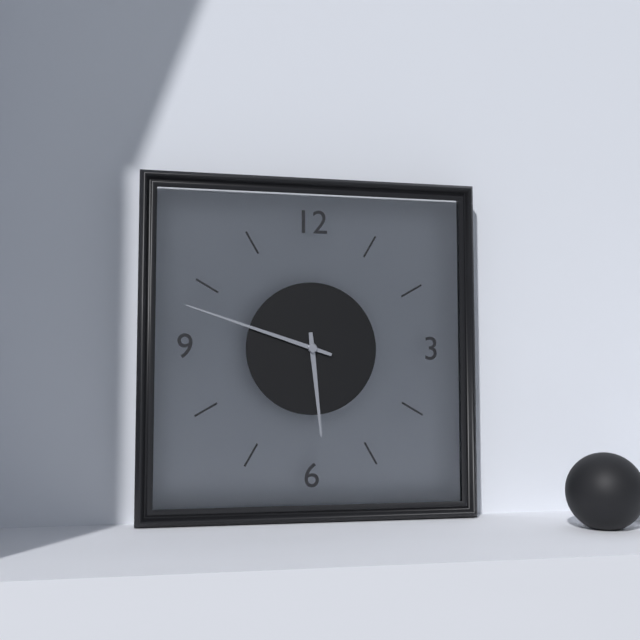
5:48
